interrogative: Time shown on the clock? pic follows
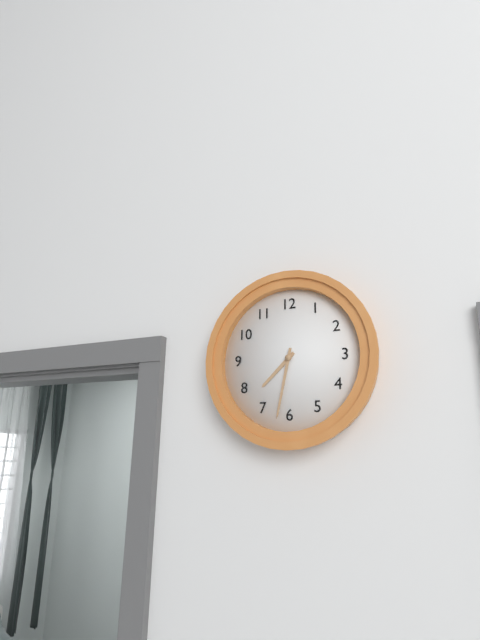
7:32
